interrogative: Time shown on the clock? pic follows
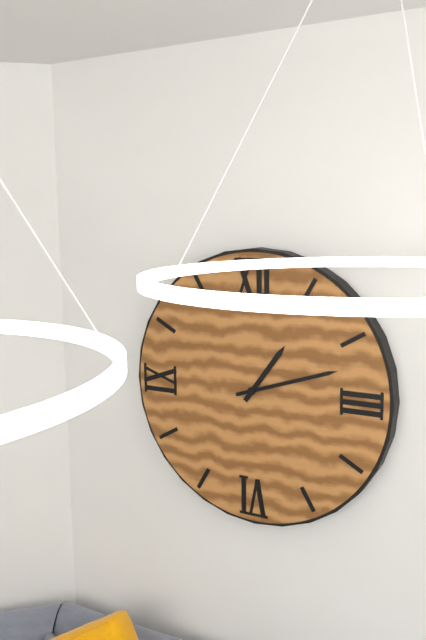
1:12
